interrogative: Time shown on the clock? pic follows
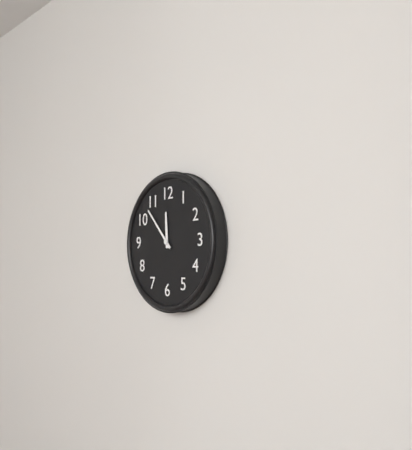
11:53
